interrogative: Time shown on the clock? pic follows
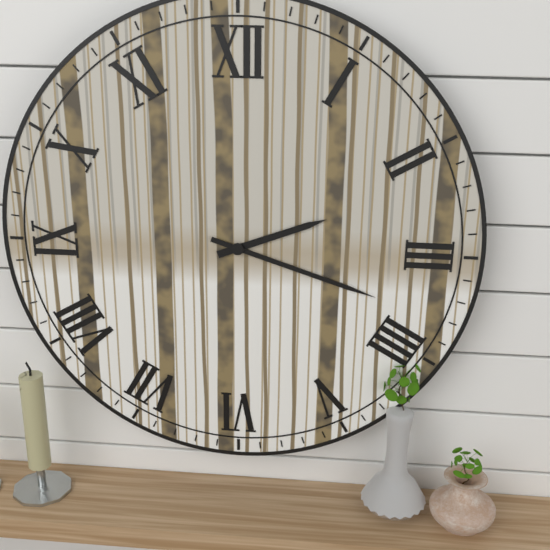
2:18
